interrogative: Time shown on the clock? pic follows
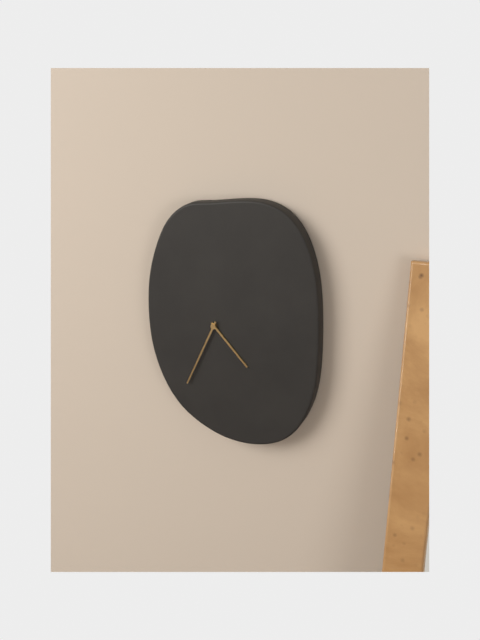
4:34
